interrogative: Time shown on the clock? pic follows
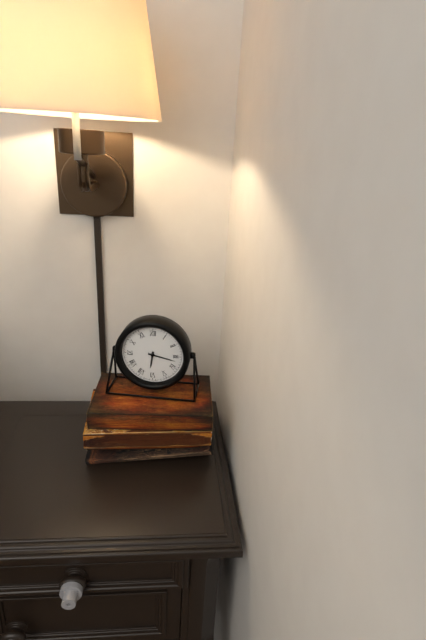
6:17
